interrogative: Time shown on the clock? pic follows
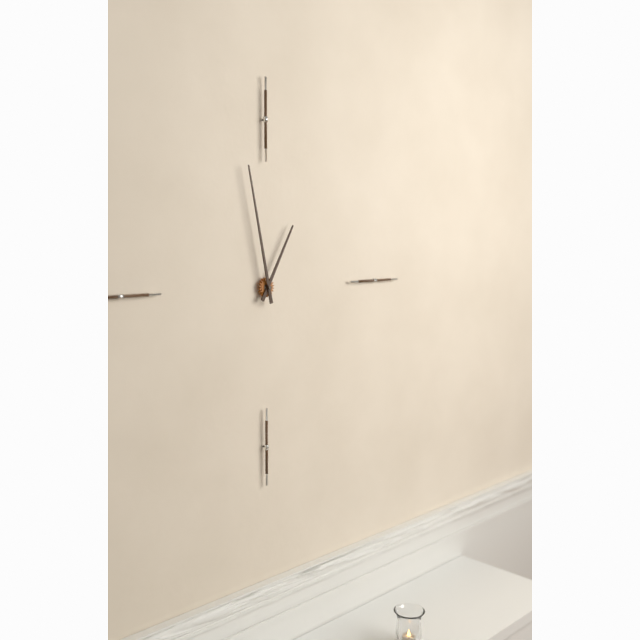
12:58
